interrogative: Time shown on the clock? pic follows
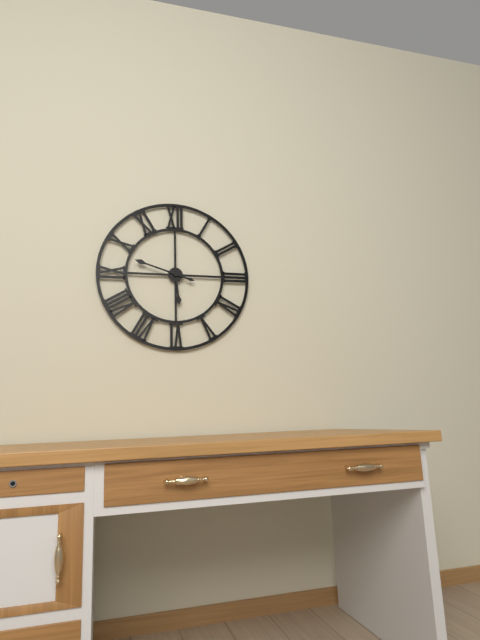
5:48
